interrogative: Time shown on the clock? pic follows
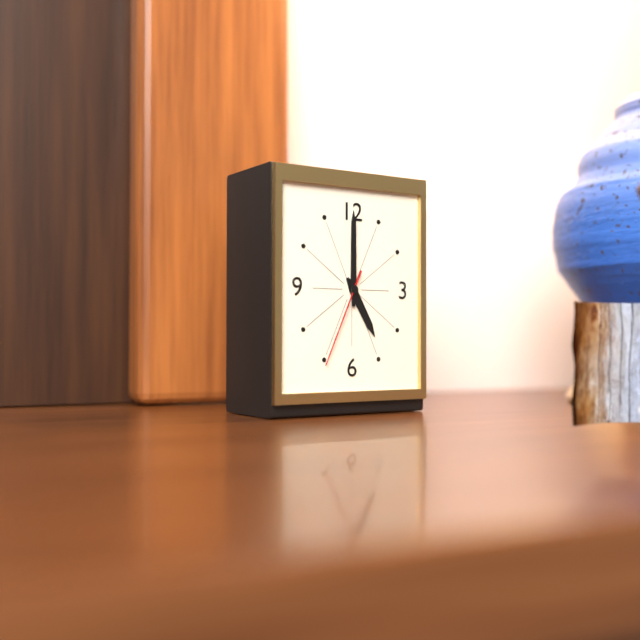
5:00:34
